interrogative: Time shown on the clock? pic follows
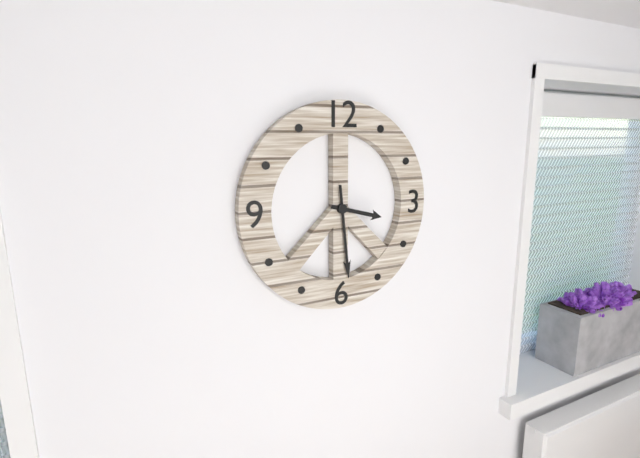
3:29
